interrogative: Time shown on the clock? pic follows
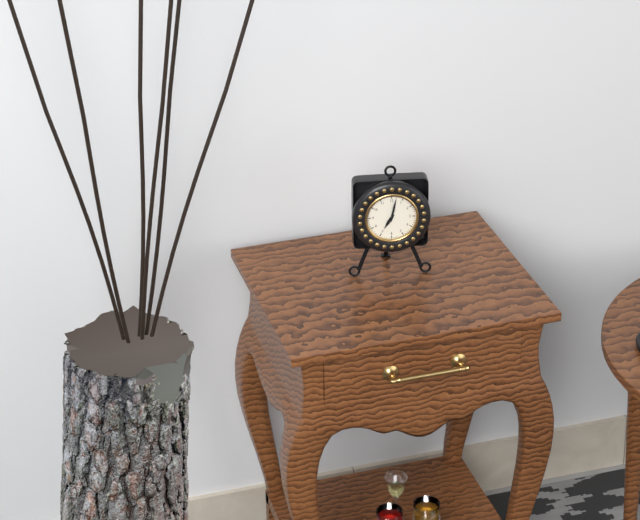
7:02
